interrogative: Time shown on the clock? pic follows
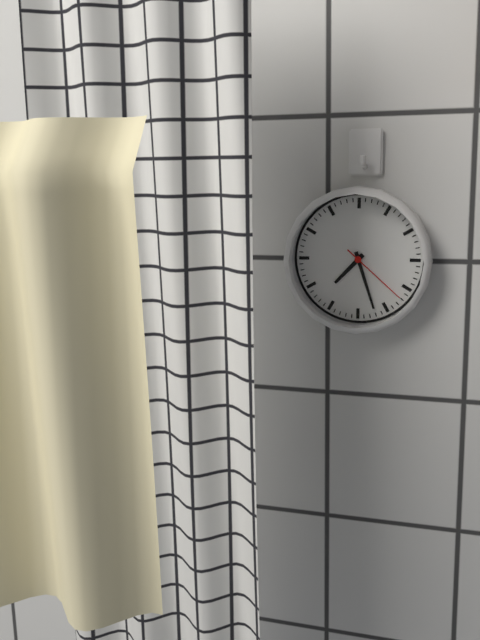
7:27:22
